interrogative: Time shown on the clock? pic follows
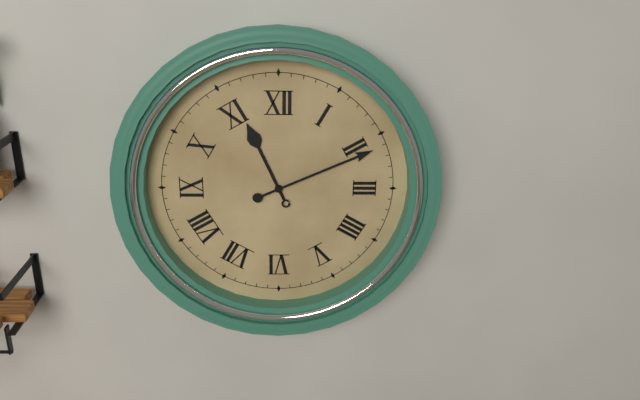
11:11
